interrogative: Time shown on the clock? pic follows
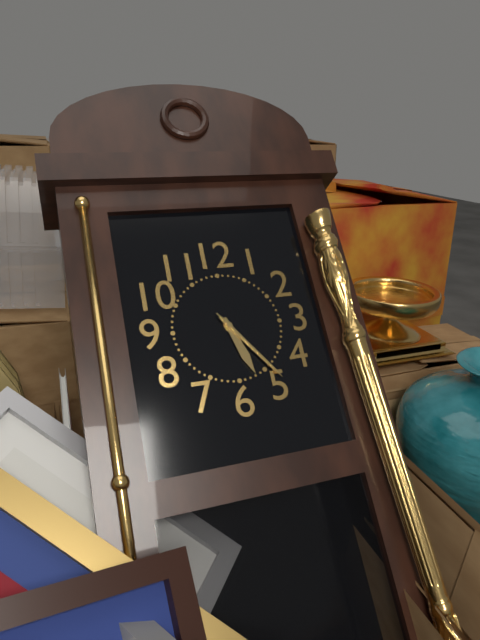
5:24:24
